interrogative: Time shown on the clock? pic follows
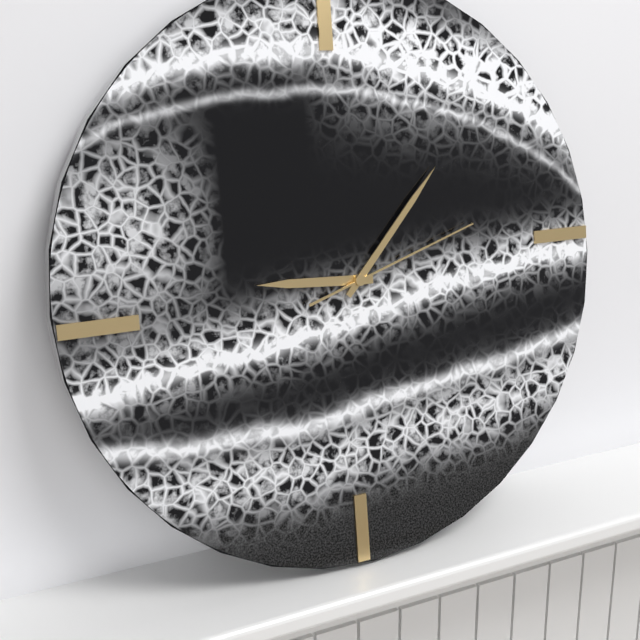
9:07:12
